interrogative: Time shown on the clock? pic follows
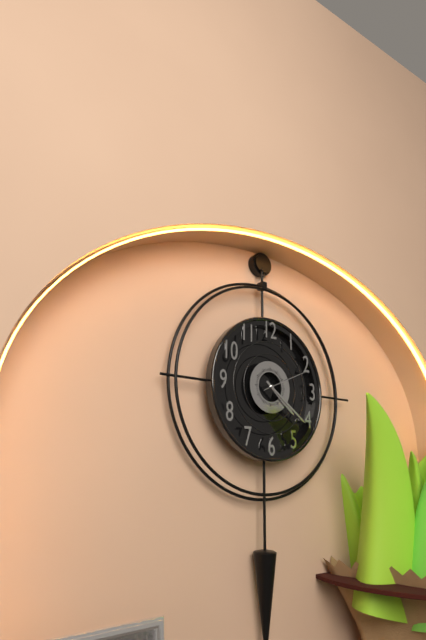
4:21
